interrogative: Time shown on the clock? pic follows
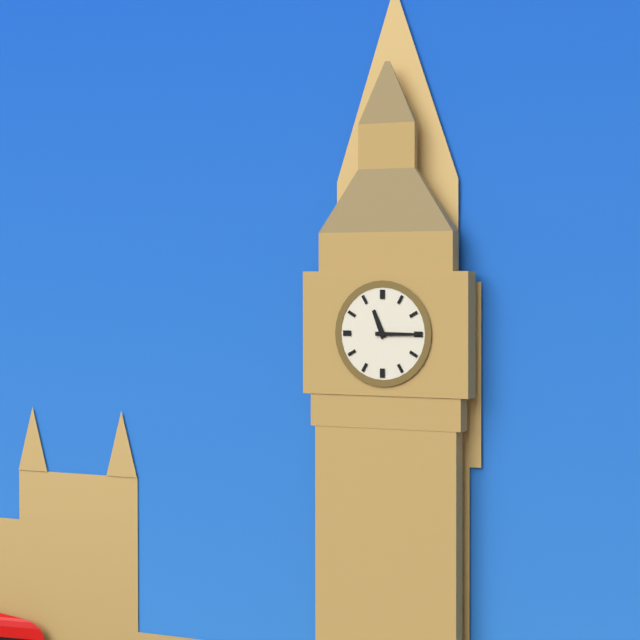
11:15
